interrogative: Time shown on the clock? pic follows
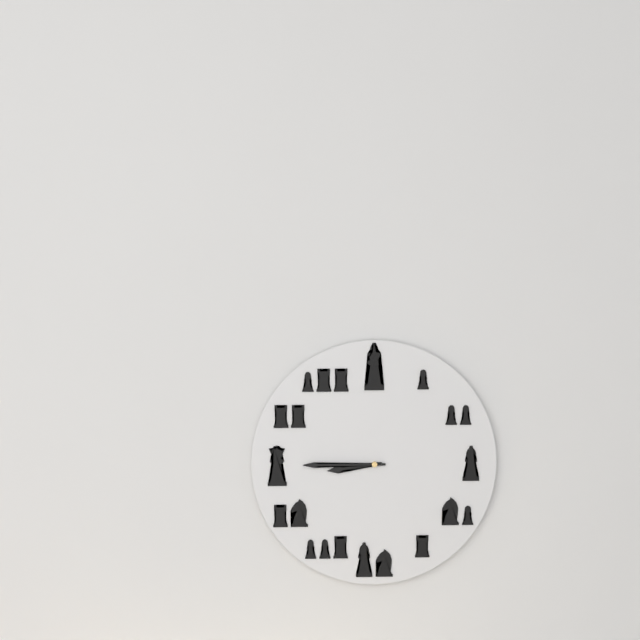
8:45
